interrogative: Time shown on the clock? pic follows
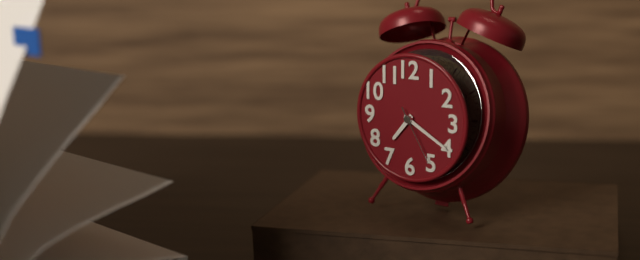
7:20:25
